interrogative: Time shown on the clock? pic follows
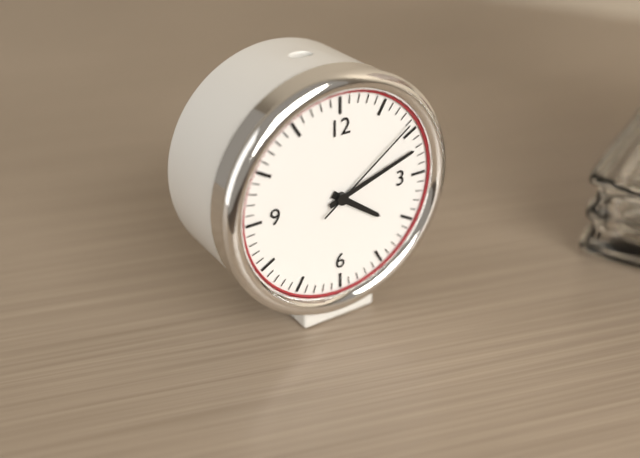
4:12:09
